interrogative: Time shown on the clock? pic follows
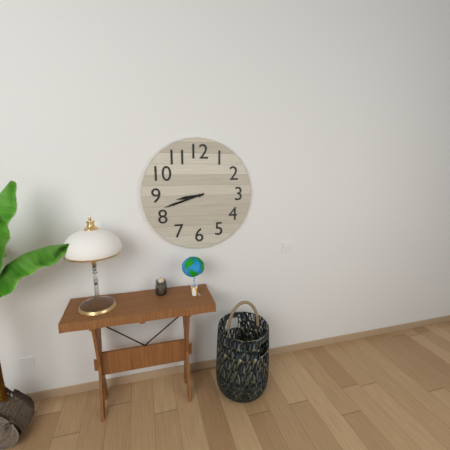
8:42
